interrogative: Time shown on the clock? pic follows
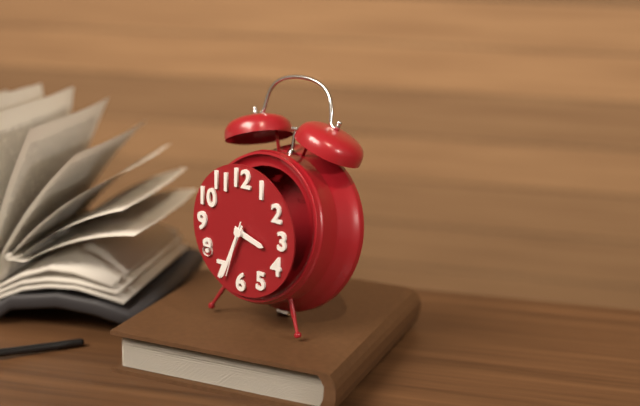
3:34:33
